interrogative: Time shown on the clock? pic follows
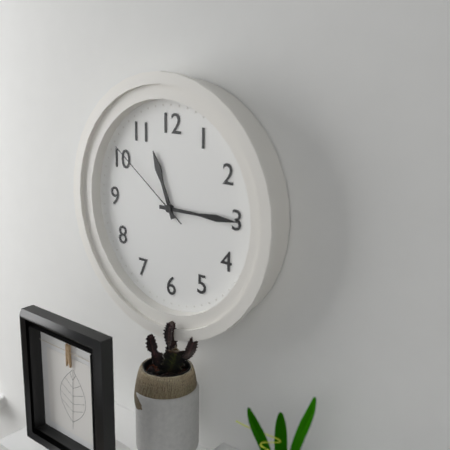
11:15:51
